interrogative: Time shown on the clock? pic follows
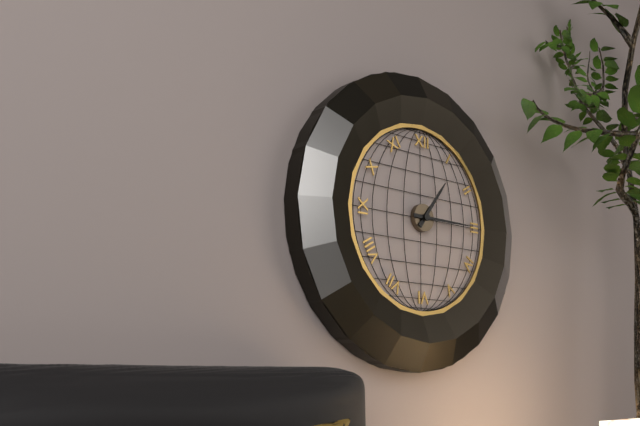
1:15
